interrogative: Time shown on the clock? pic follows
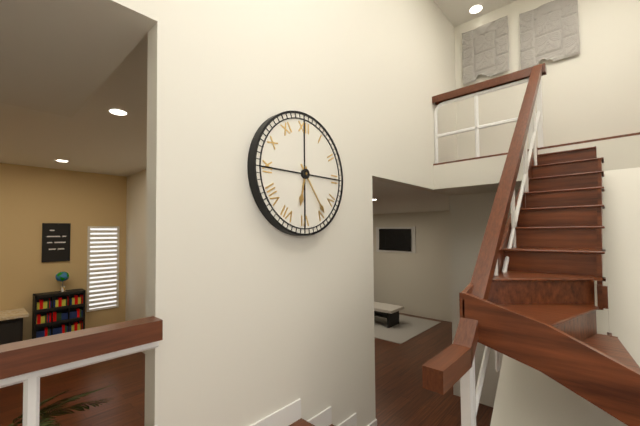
6:24
